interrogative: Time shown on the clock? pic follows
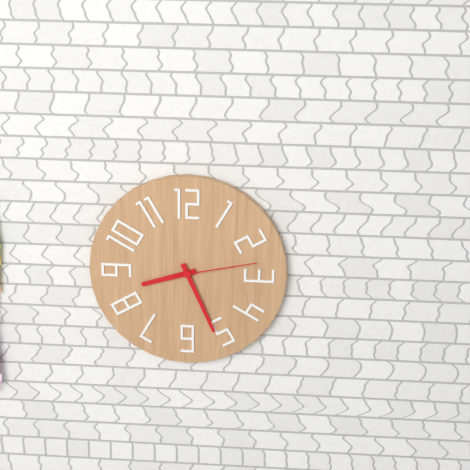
8:26:13
